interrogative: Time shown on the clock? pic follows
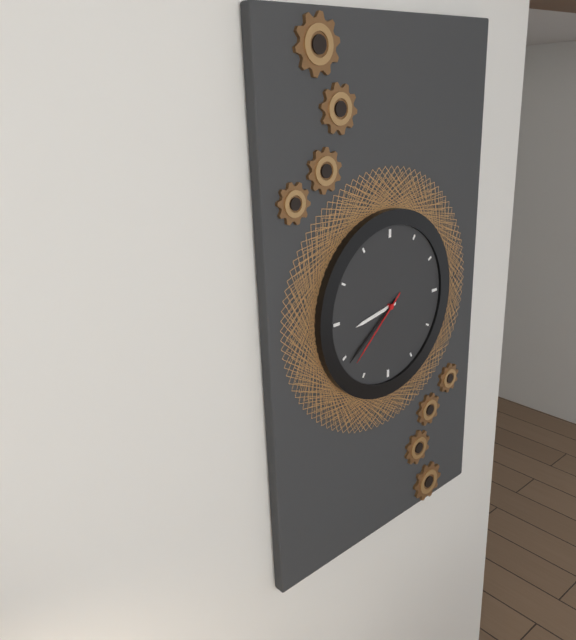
8:39:38
